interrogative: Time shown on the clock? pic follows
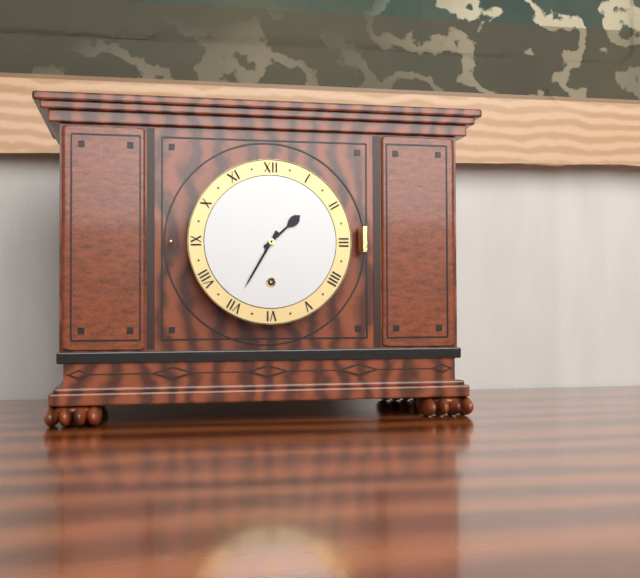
1:35
